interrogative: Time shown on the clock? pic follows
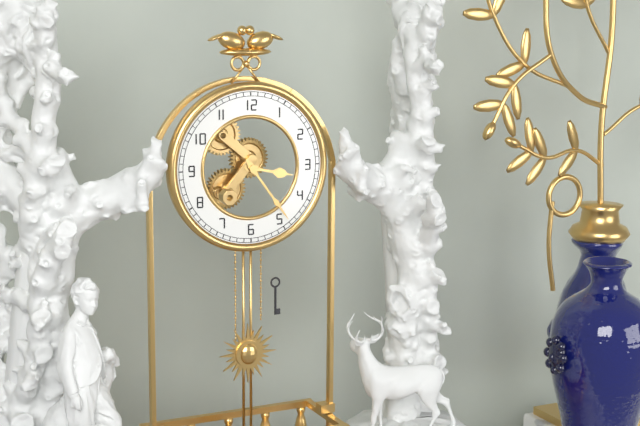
3:24
